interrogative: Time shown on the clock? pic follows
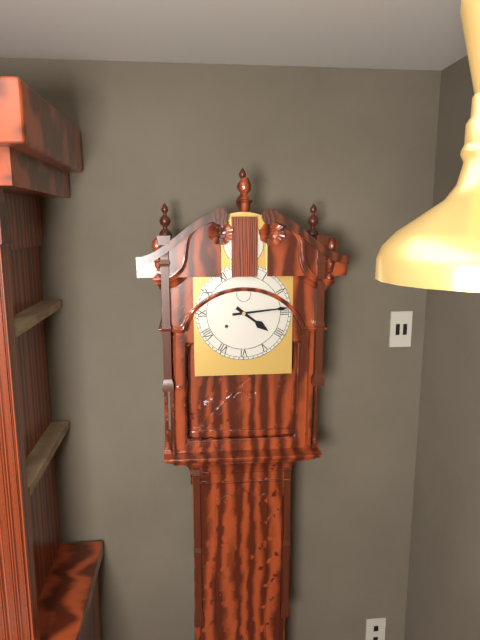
4:14
